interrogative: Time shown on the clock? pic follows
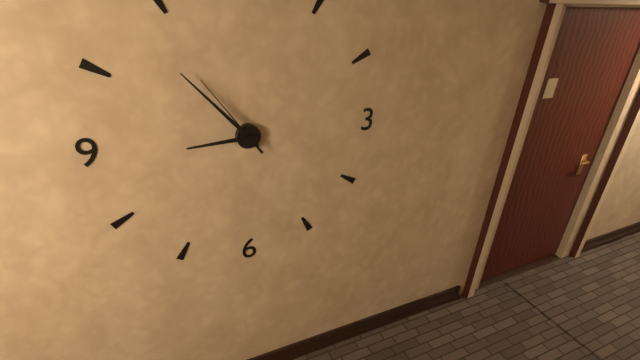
8:53:54
